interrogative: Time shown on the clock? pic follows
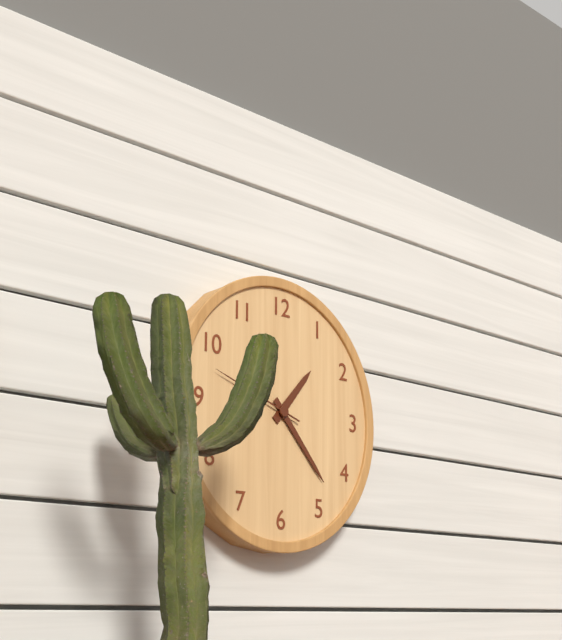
1:23:48
